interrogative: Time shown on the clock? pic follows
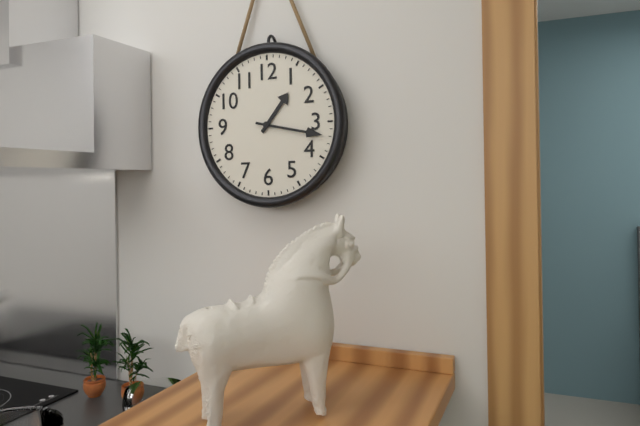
1:17
